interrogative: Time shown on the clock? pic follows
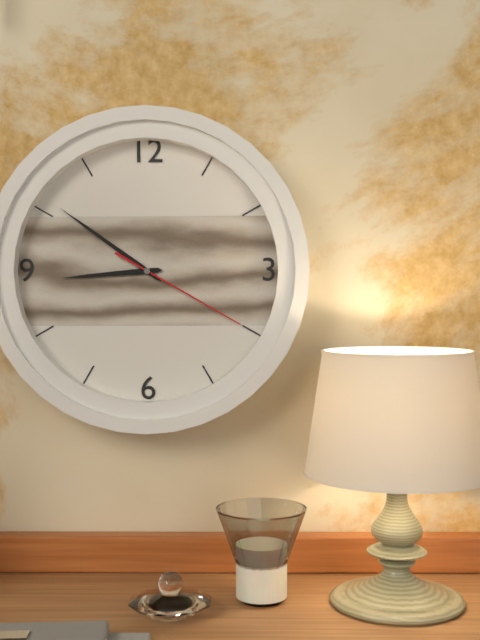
8:51:20
